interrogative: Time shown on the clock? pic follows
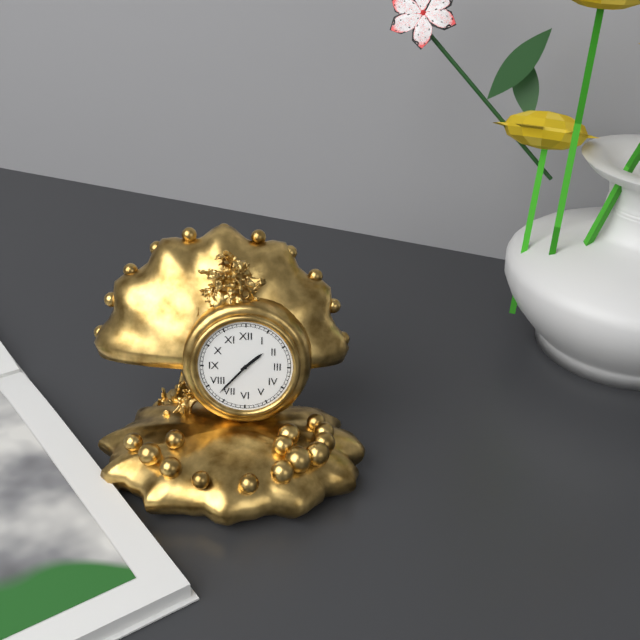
1:37
